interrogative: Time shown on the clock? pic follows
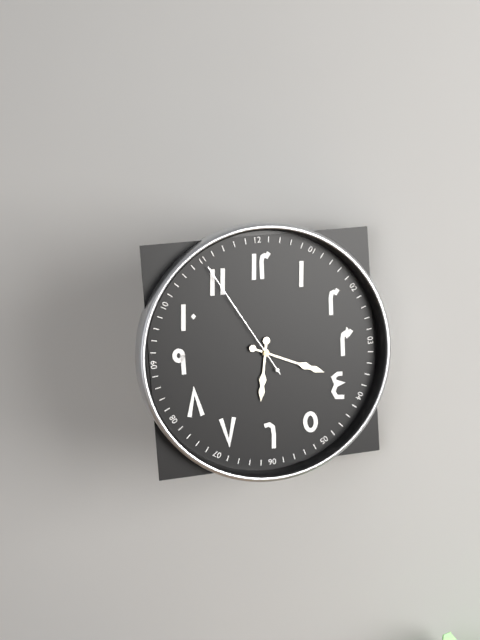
6:19:55
